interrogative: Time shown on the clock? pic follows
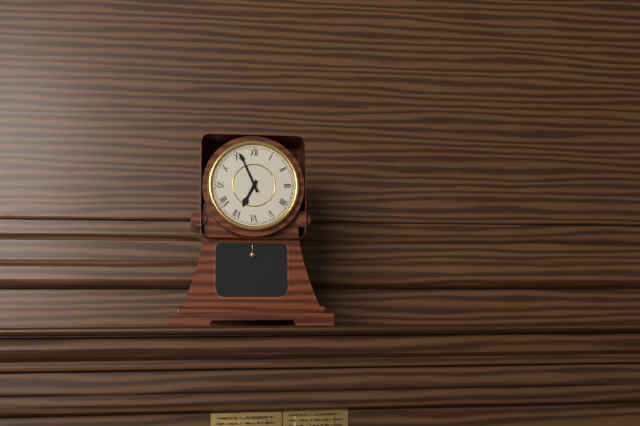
6:56
